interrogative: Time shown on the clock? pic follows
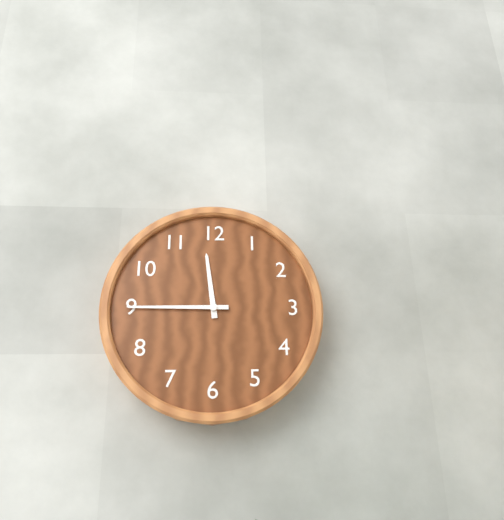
11:45
